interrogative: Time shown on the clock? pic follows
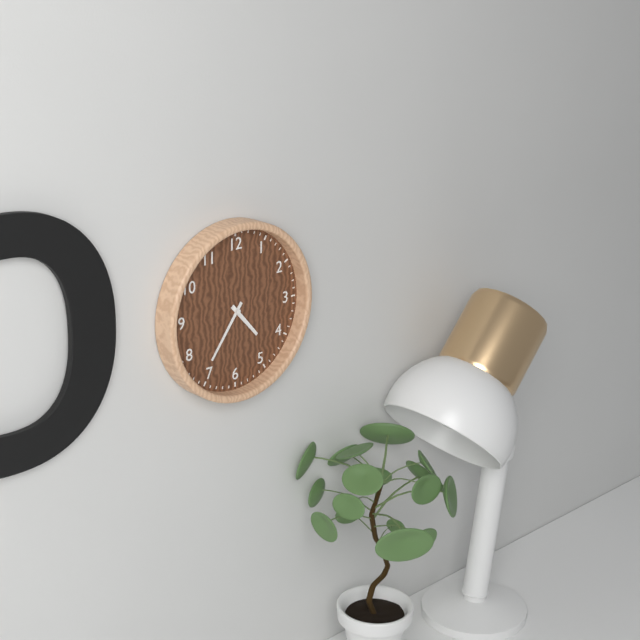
4:36
